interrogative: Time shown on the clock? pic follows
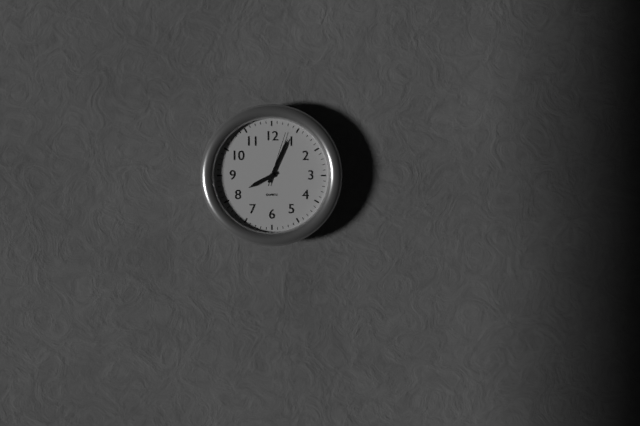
8:04:03
